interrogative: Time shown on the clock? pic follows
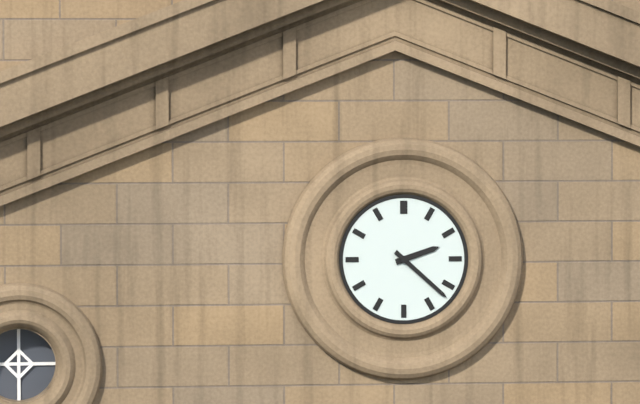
2:22
